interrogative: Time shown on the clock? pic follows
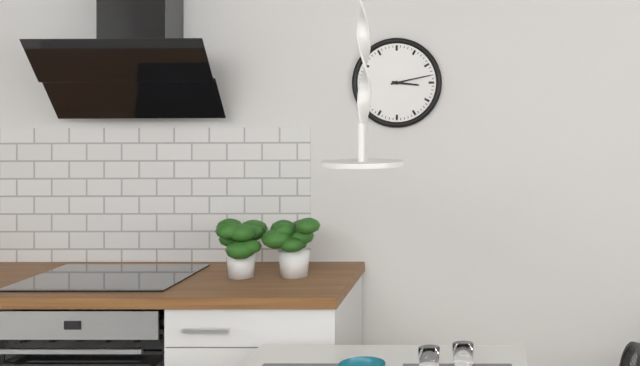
3:13
